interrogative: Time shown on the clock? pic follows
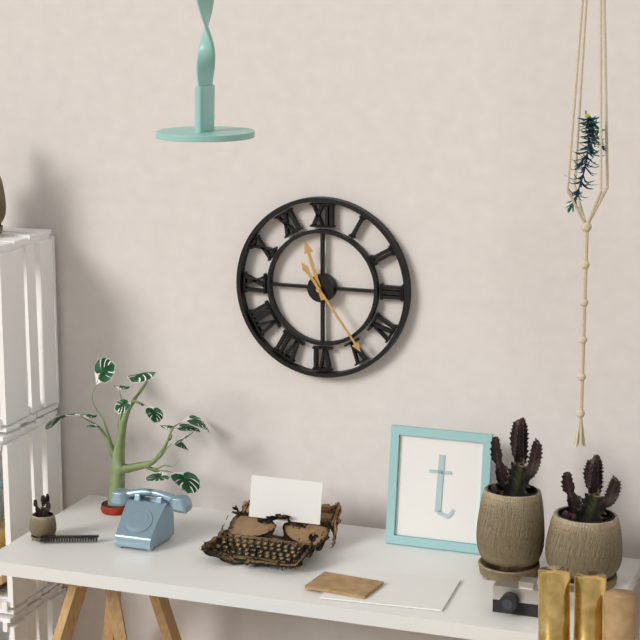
11:24
